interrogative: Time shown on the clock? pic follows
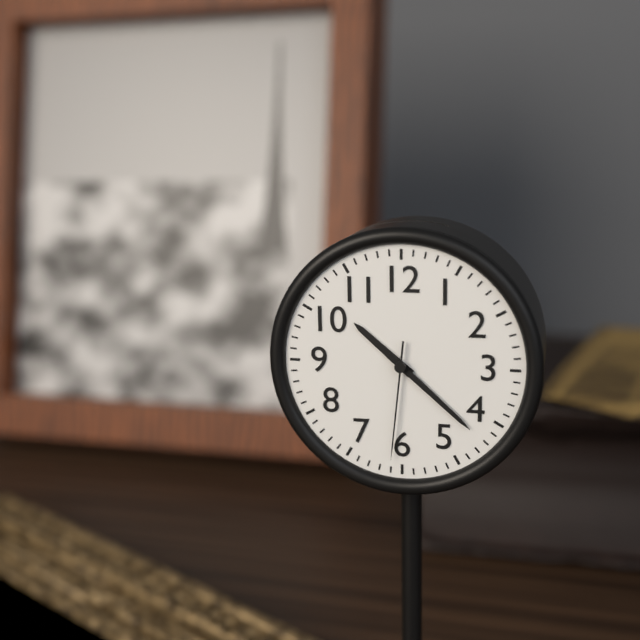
10:22:31
